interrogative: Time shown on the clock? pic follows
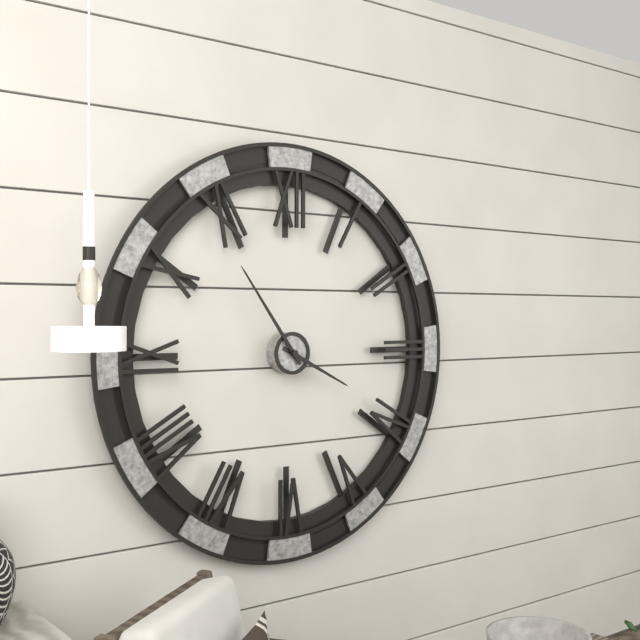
3:54
